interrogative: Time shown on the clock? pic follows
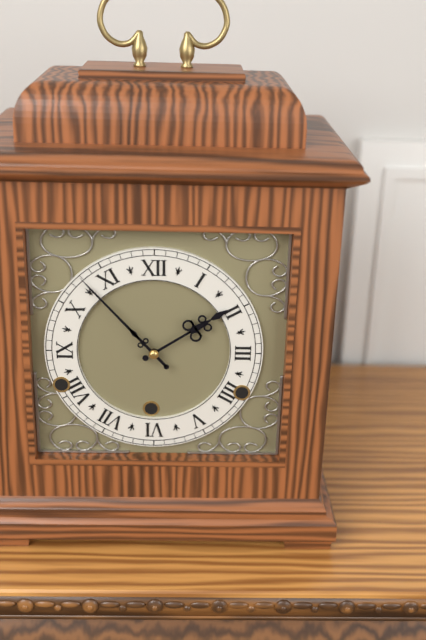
1:53
